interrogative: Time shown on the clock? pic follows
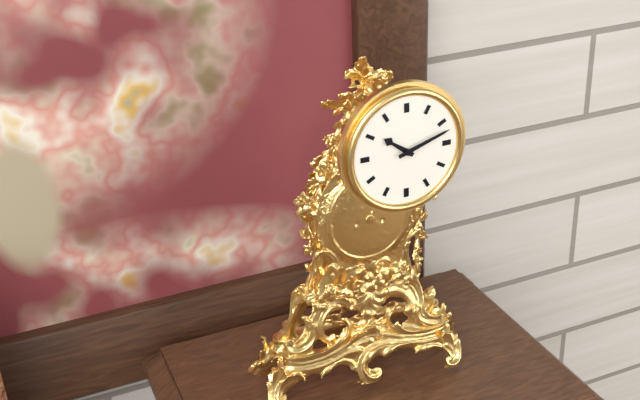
10:12
